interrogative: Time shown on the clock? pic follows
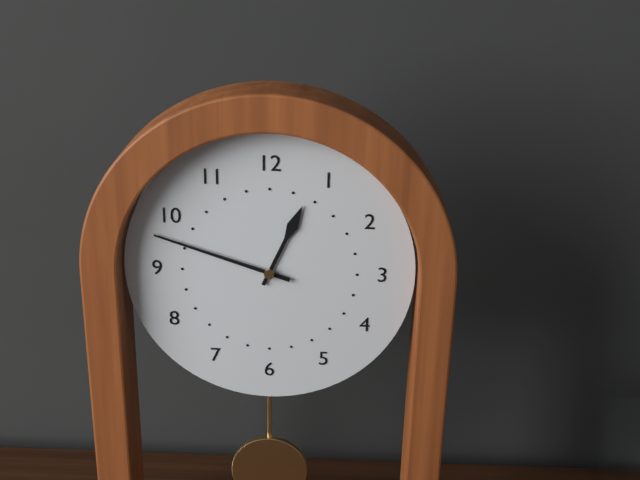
12:48
